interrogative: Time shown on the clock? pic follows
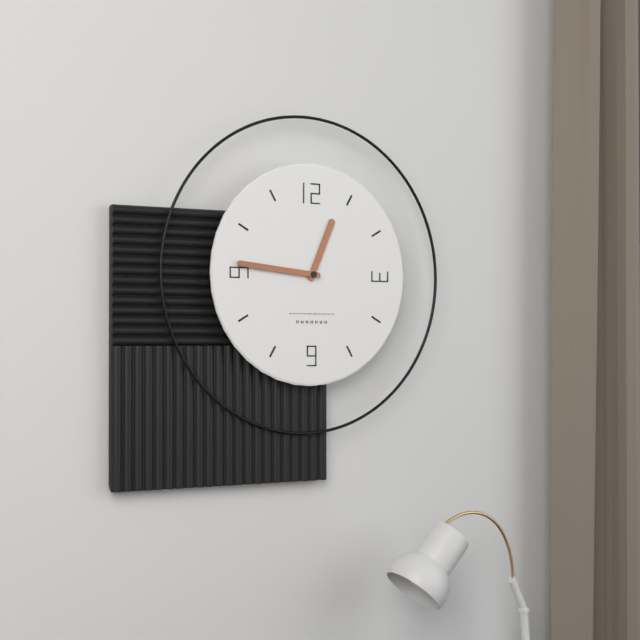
12:46
